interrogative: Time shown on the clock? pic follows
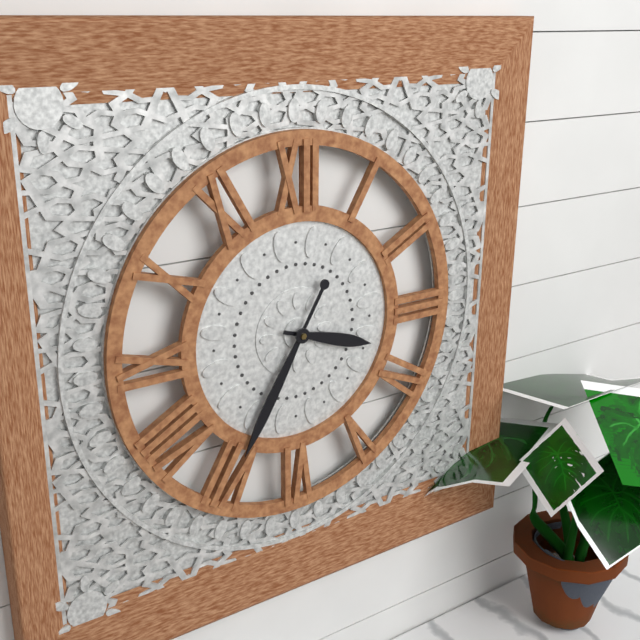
3:35
